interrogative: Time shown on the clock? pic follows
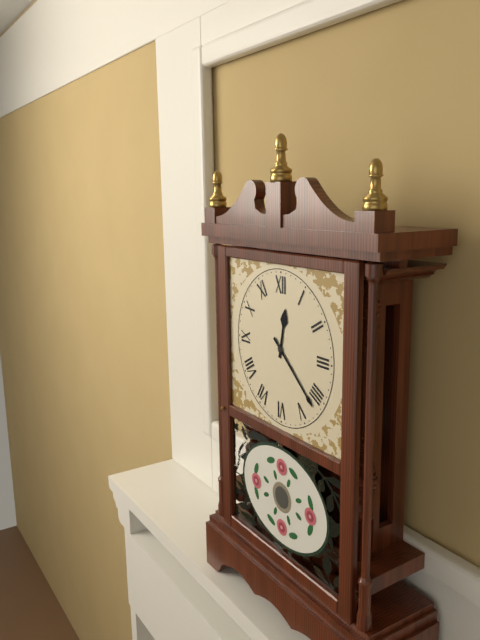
12:22
